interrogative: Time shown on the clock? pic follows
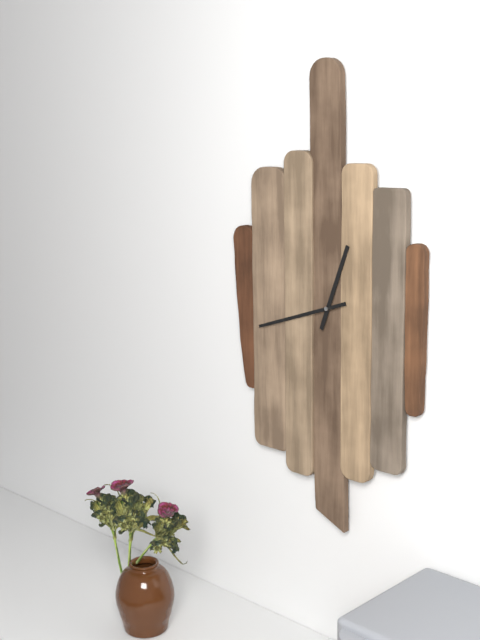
12:42
